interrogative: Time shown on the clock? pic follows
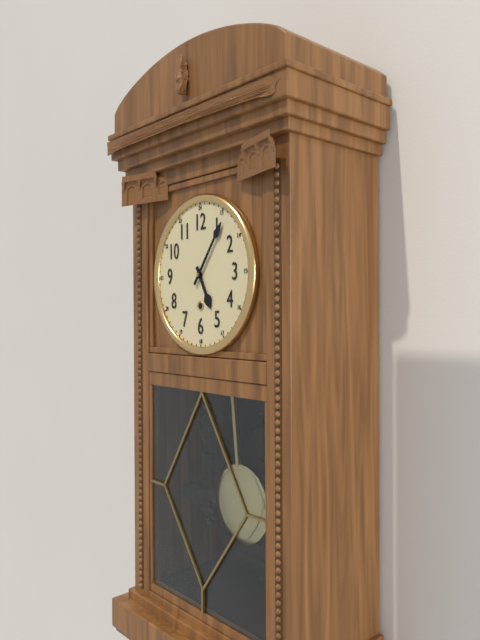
5:06
